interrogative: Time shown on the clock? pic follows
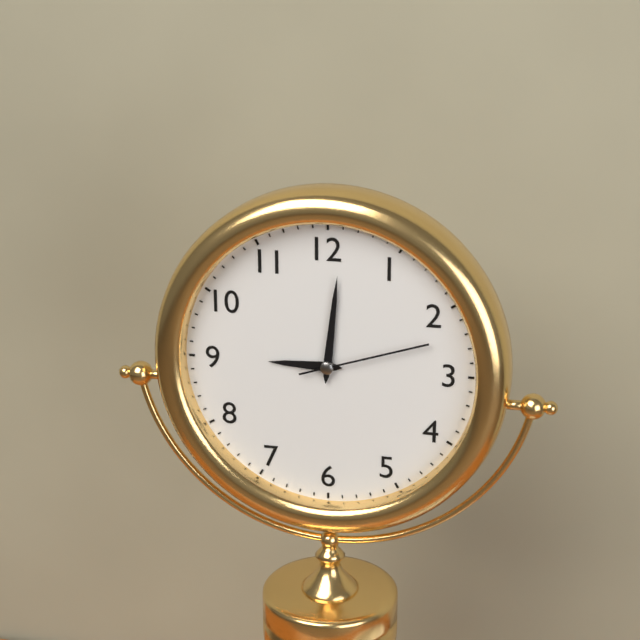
9:01:12
